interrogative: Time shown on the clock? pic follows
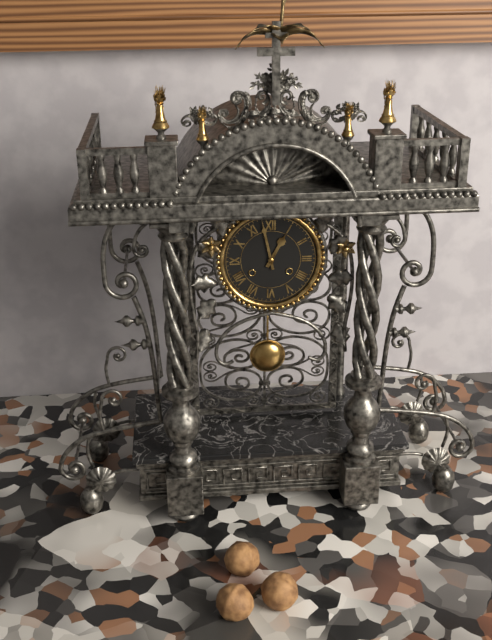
12:58
